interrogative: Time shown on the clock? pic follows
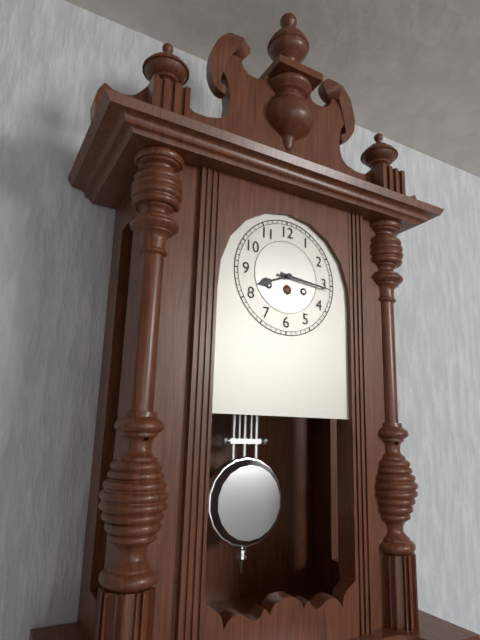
8:16
